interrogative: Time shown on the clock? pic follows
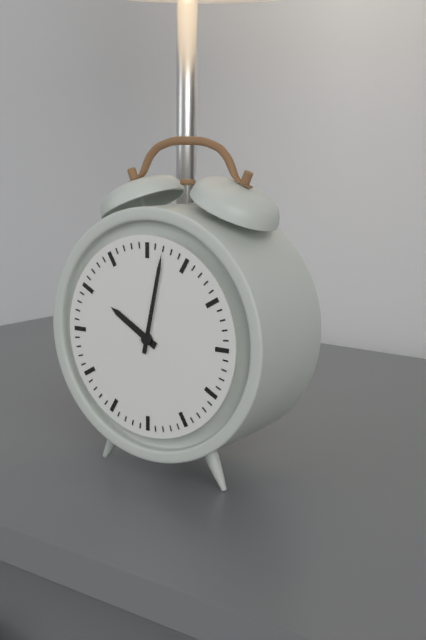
10:02
